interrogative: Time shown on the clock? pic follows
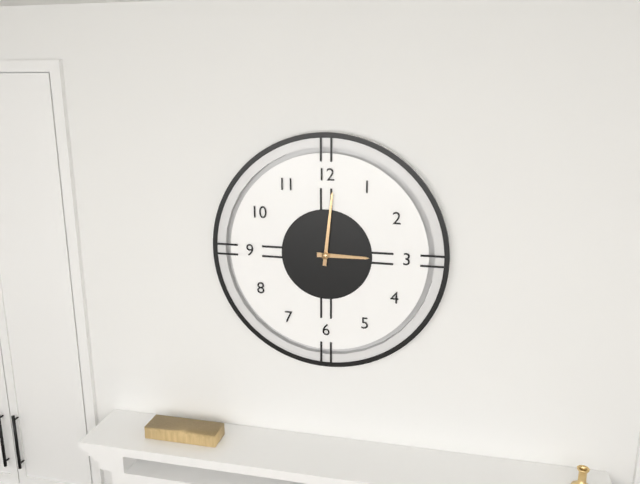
3:01
